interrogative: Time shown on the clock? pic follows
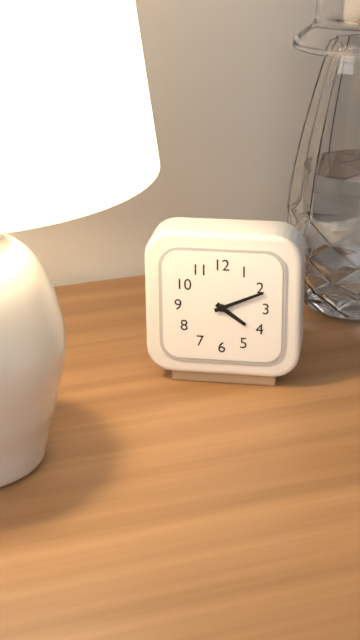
4:11
